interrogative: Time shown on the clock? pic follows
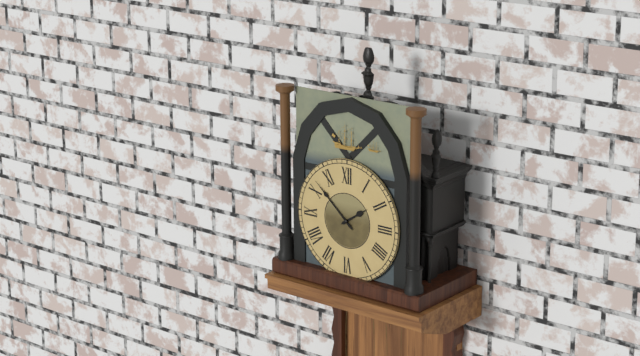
1:52
